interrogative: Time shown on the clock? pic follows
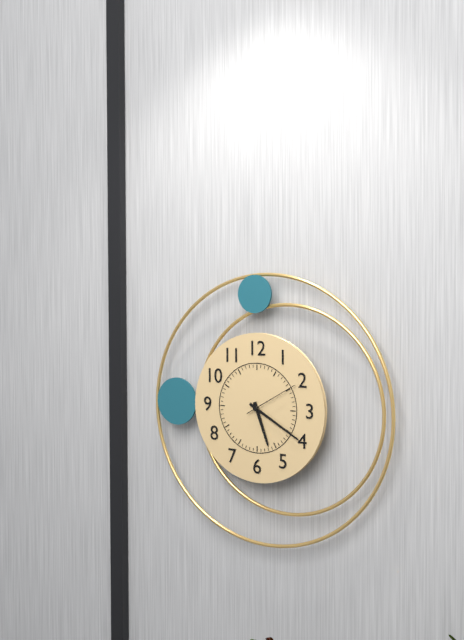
5:20:10
